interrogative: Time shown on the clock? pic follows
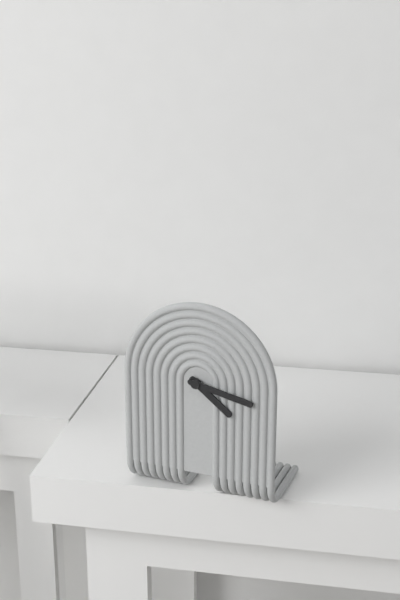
4:17
